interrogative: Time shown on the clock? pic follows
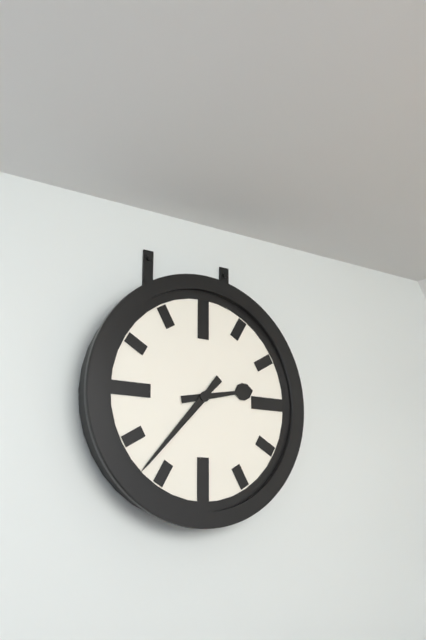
2:37
